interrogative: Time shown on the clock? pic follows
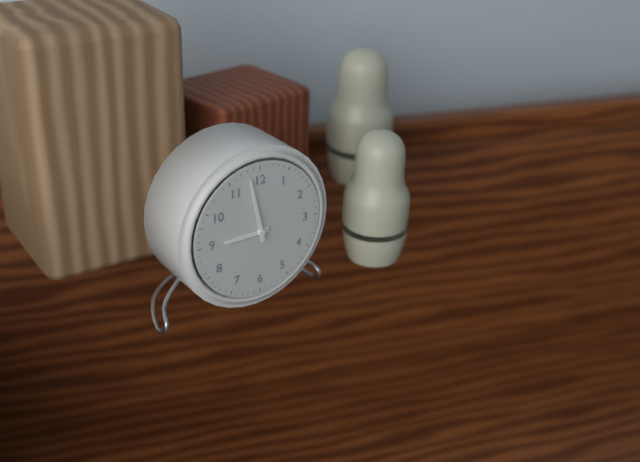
8:58
